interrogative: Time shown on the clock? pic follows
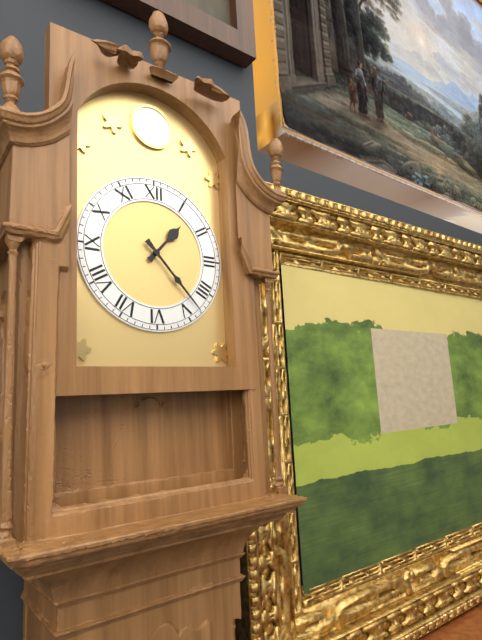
1:23
